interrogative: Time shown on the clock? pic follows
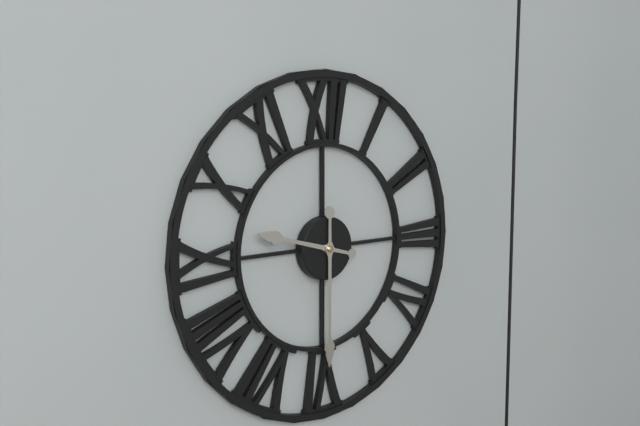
9:30
